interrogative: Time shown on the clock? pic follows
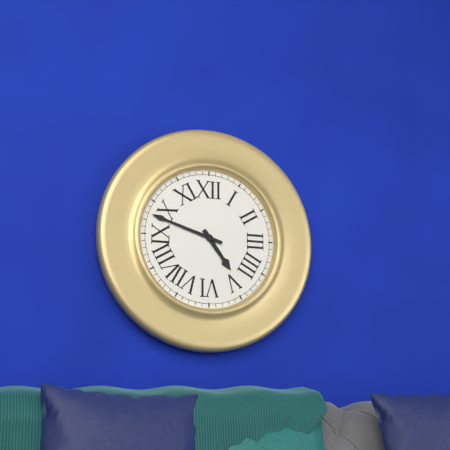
4:48
